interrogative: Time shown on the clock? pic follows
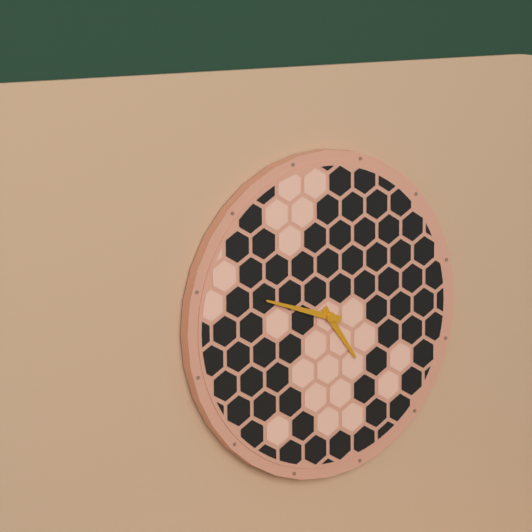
4:48
